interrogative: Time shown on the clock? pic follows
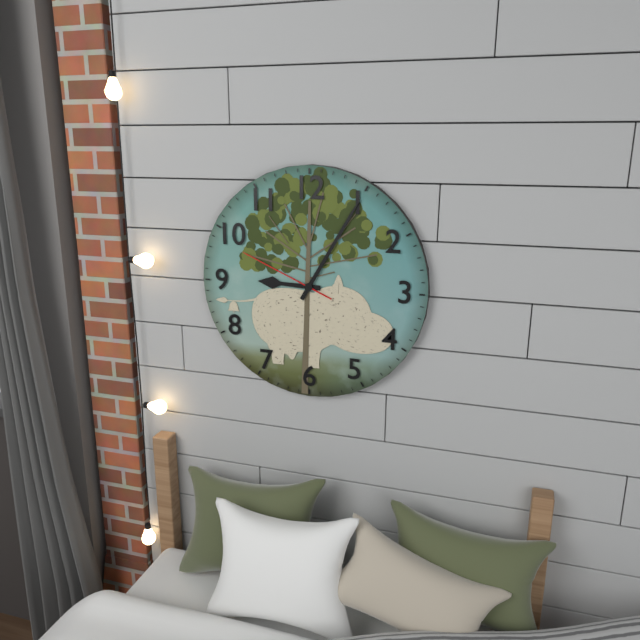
9:05:49
